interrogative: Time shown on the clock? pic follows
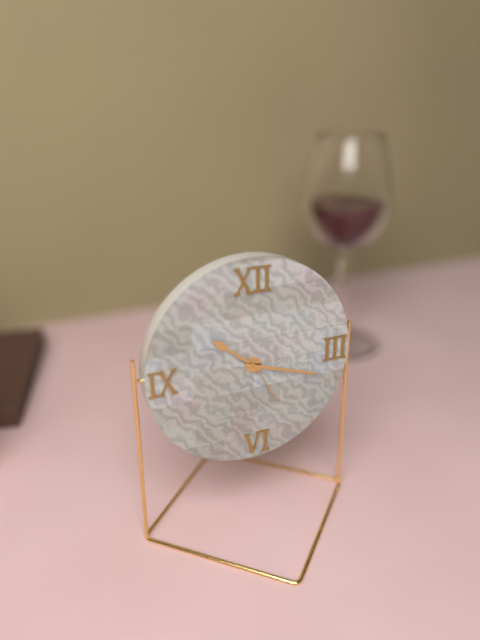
10:18:25
